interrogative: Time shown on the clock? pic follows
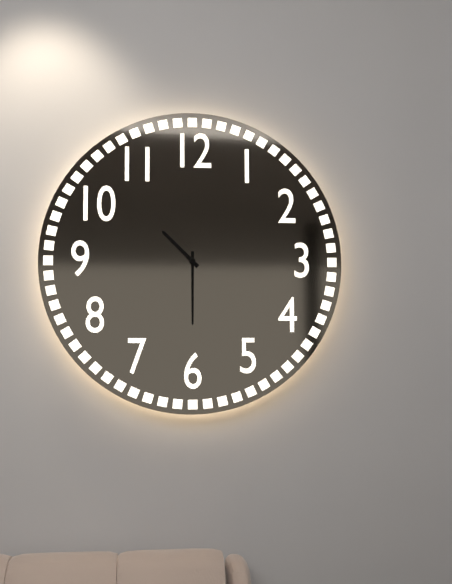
10:30
